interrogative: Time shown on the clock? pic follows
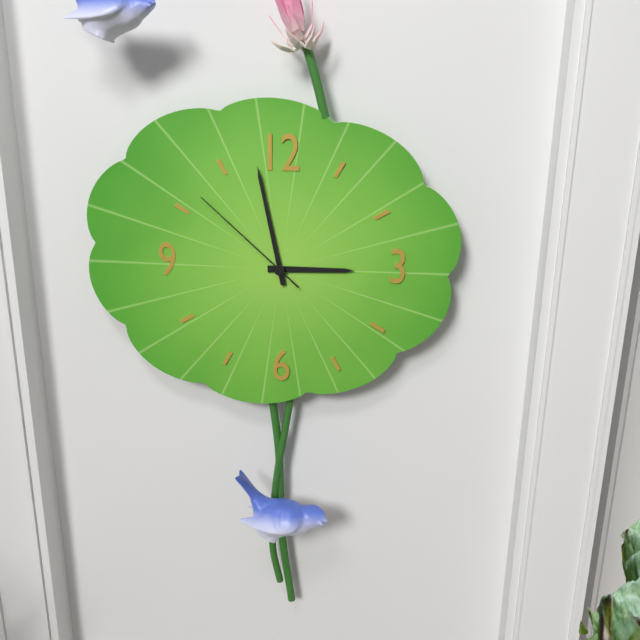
2:58:52
